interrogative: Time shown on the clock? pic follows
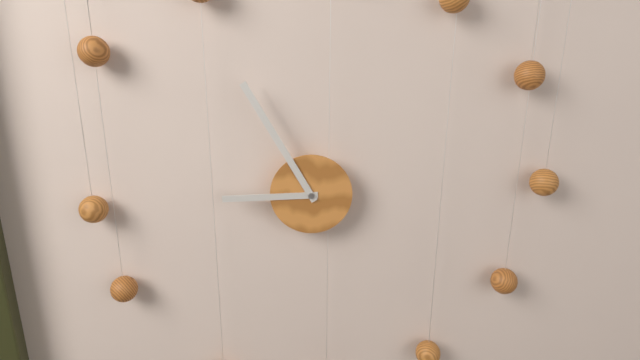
8:55
